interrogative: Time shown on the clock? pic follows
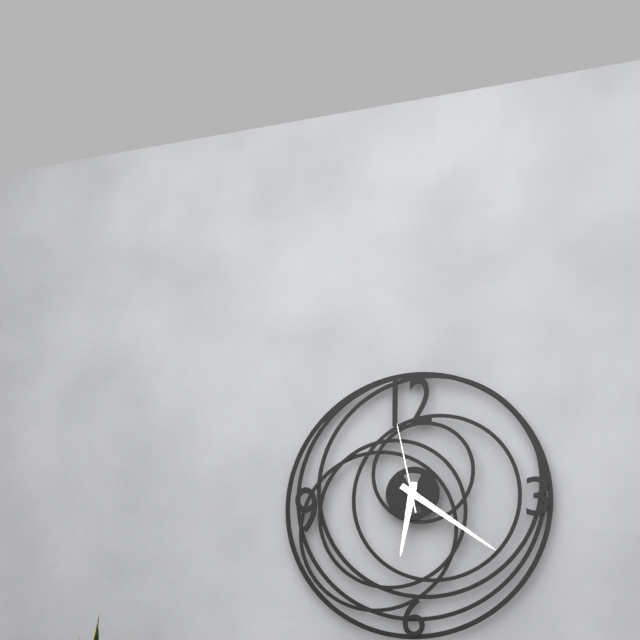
6:21:58
